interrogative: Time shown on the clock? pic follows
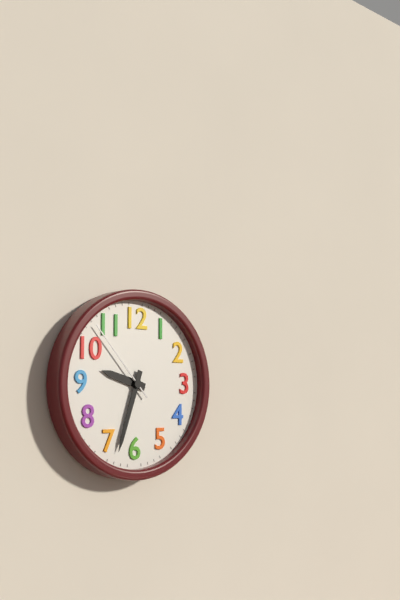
9:33:53
